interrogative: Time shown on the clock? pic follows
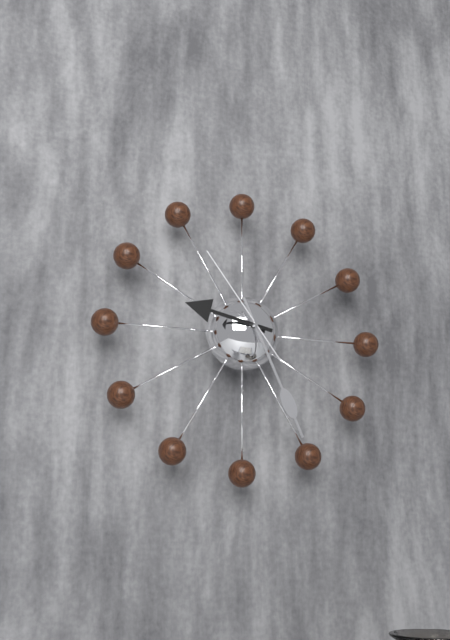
9:26:54
